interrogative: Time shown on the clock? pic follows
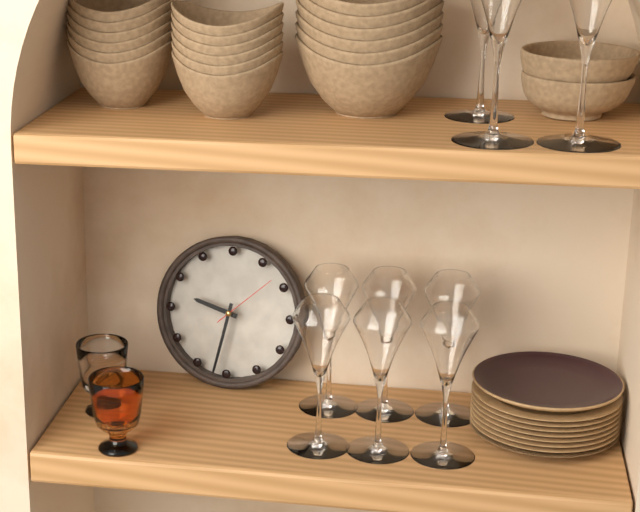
9:32:08
